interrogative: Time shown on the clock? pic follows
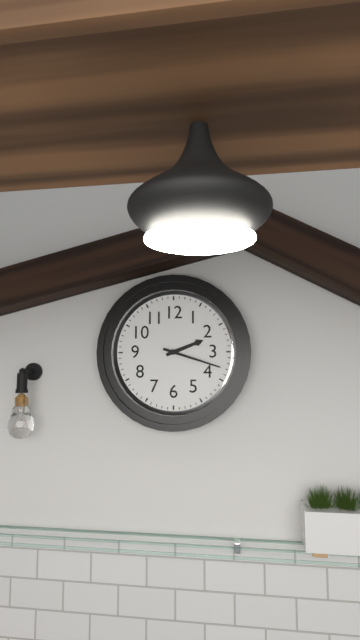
2:18
